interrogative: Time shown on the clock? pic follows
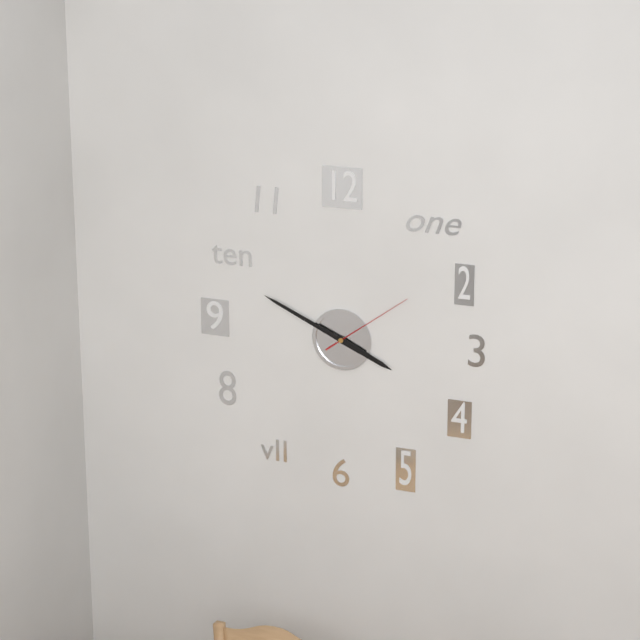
3:49:09
